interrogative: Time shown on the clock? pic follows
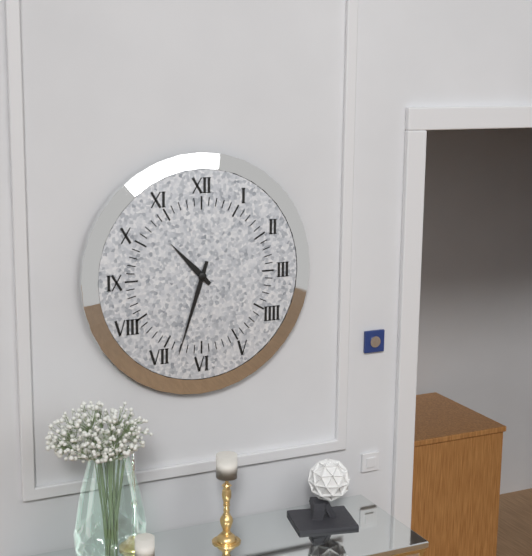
10:33
